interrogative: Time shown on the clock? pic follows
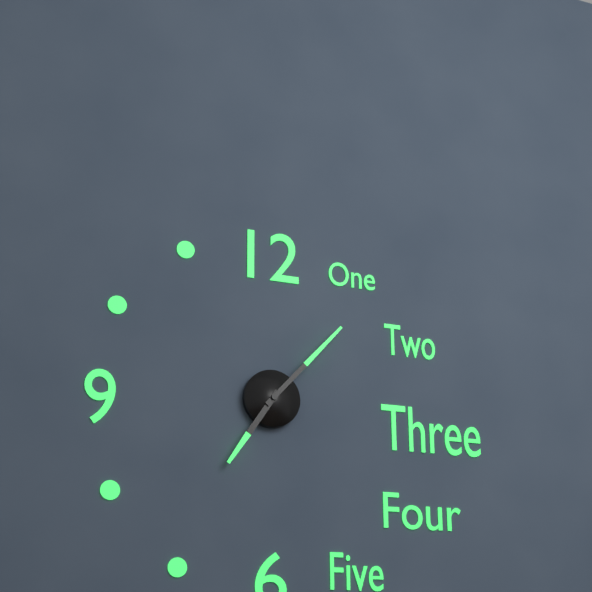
7:07
